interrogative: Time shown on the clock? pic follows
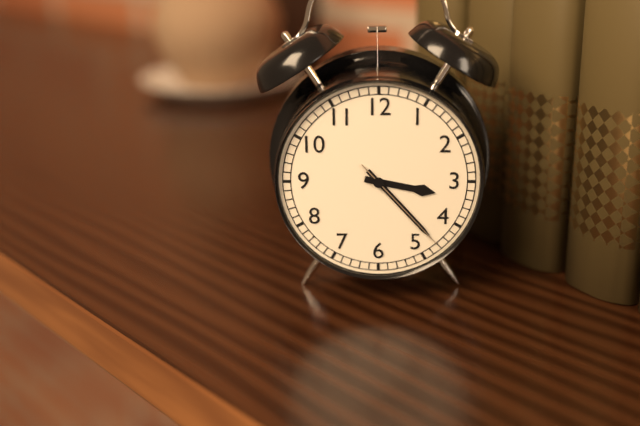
3:23:23
